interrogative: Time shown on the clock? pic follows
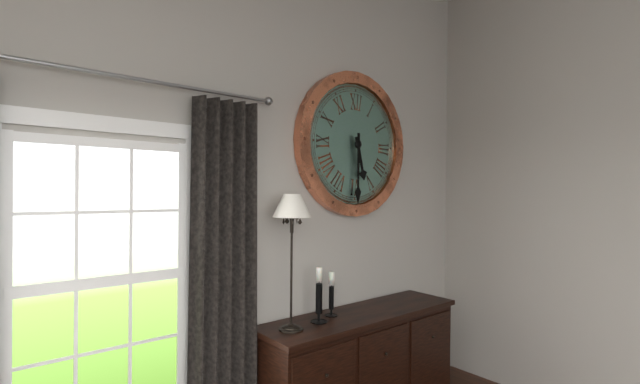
5:30
